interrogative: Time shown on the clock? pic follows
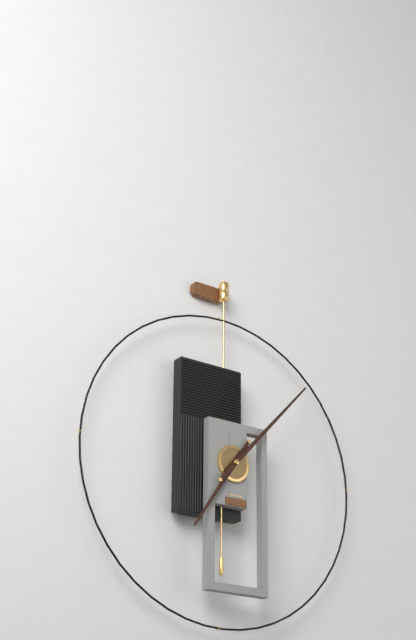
7:07
